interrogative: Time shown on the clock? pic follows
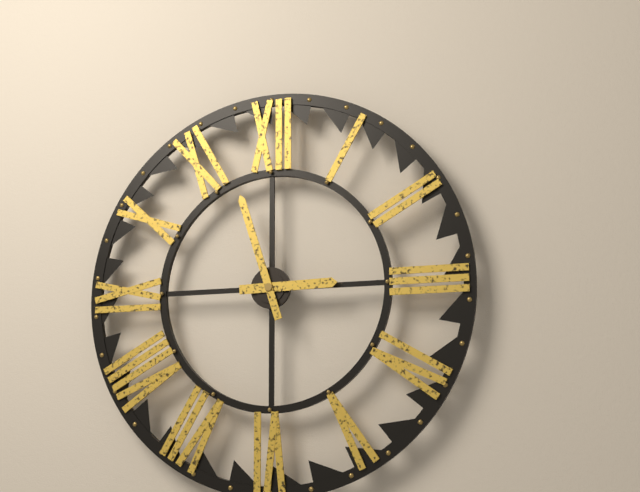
2:57
